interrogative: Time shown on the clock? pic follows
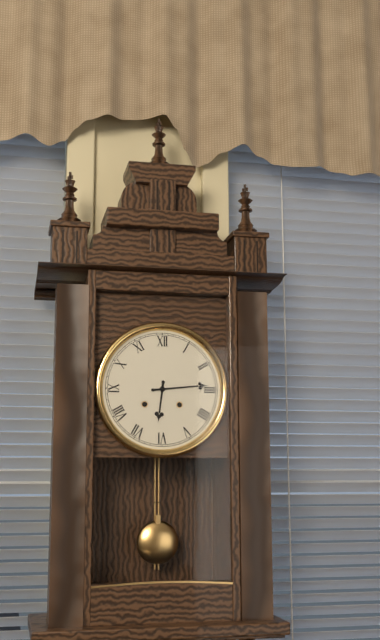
6:14
